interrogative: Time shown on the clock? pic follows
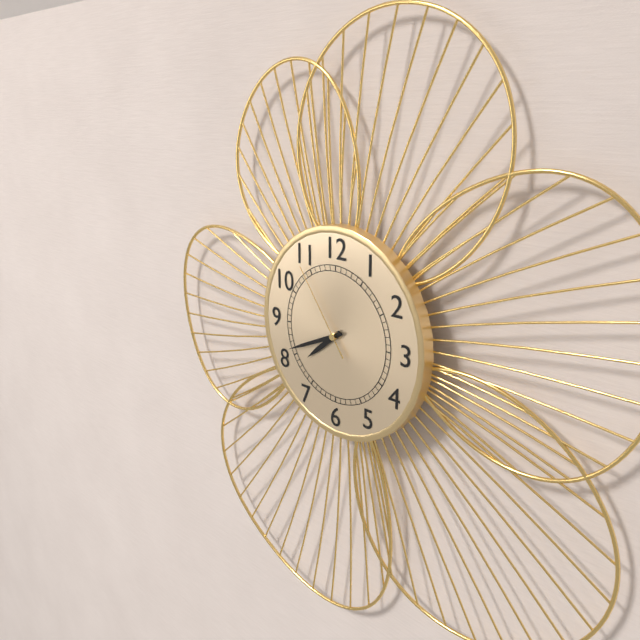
7:41:54
